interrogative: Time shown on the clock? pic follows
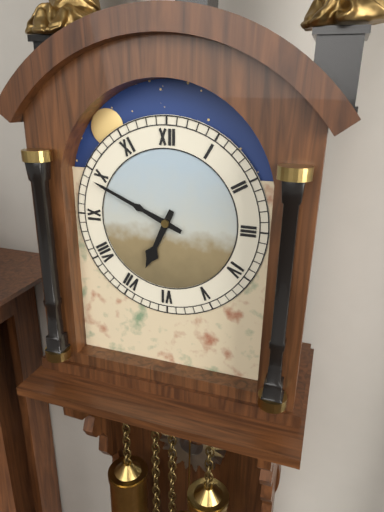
6:49
